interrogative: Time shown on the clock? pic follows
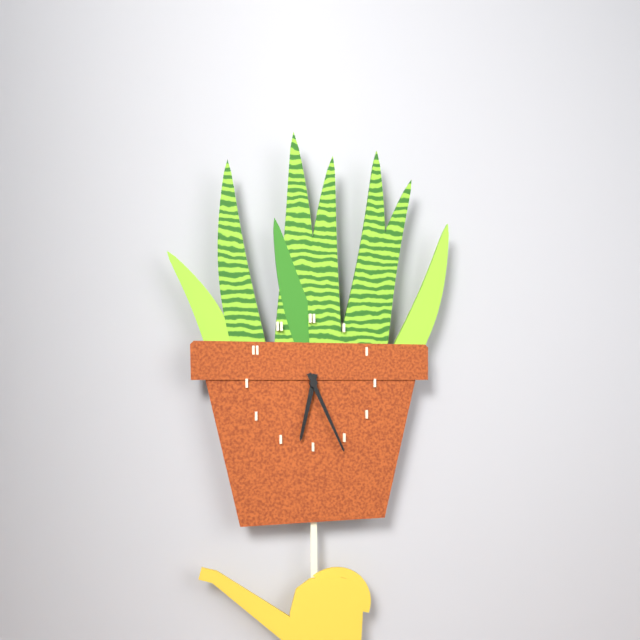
6:26
